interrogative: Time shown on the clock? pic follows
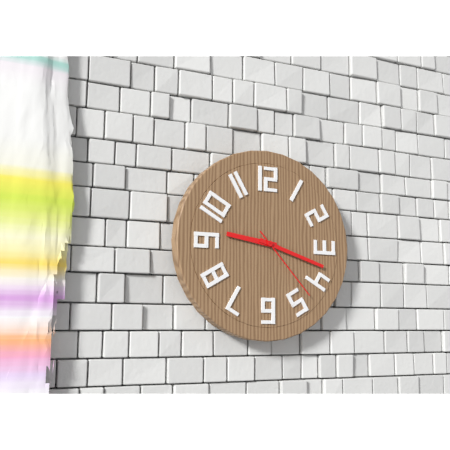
9:18:23
